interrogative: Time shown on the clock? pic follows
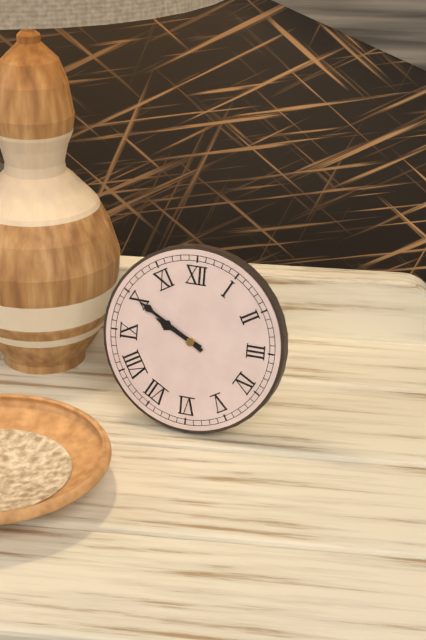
9:50
